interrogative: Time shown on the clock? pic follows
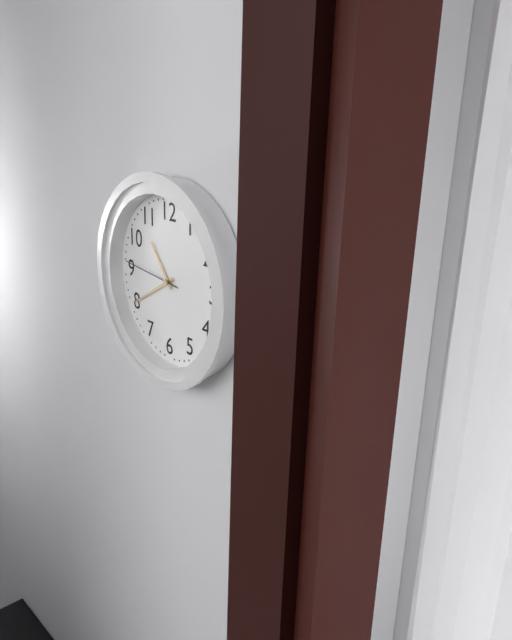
10:40:46
